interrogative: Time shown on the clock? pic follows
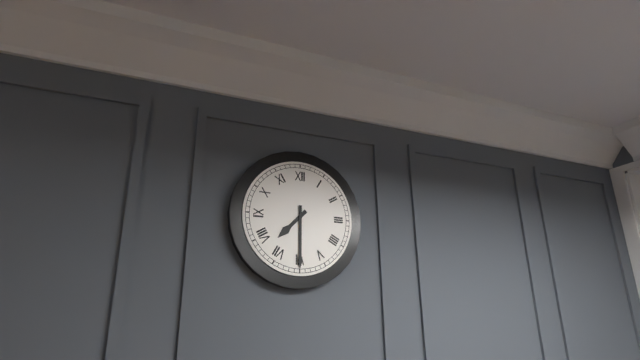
7:30
